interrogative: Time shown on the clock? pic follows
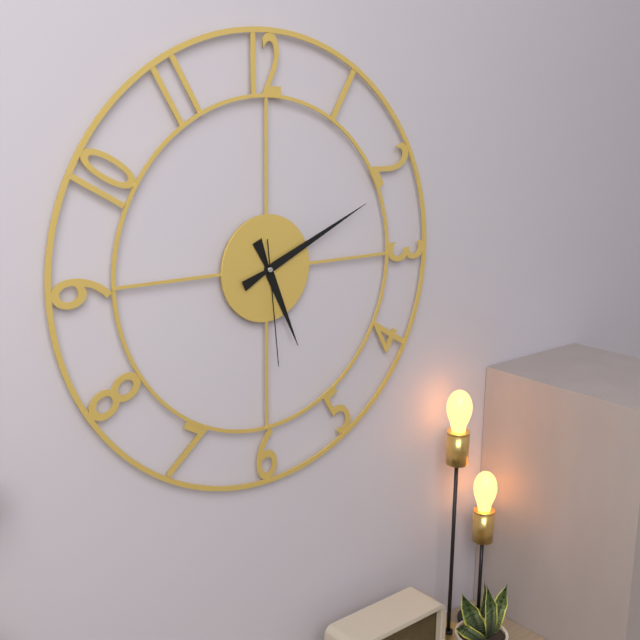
5:11:29
